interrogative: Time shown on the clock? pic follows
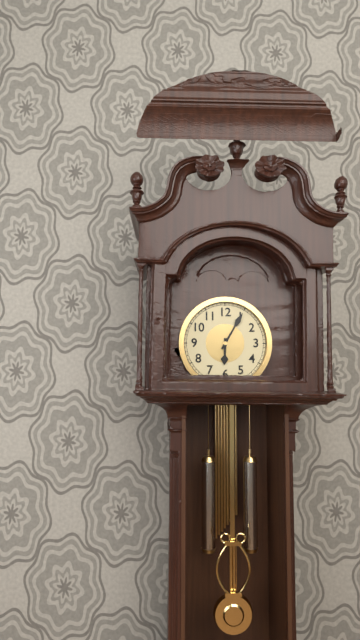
6:05
